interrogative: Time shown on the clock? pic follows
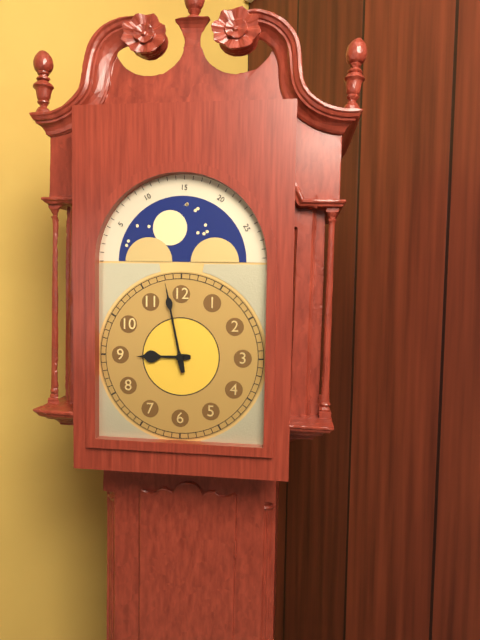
8:58
